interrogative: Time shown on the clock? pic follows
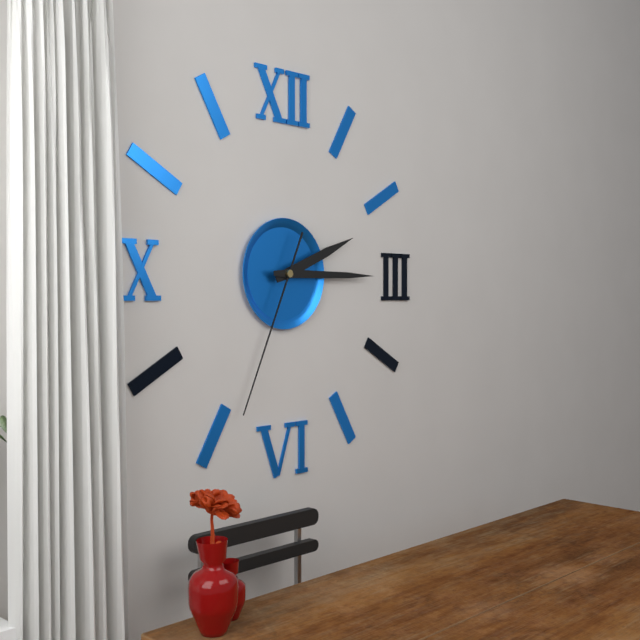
2:15:34
